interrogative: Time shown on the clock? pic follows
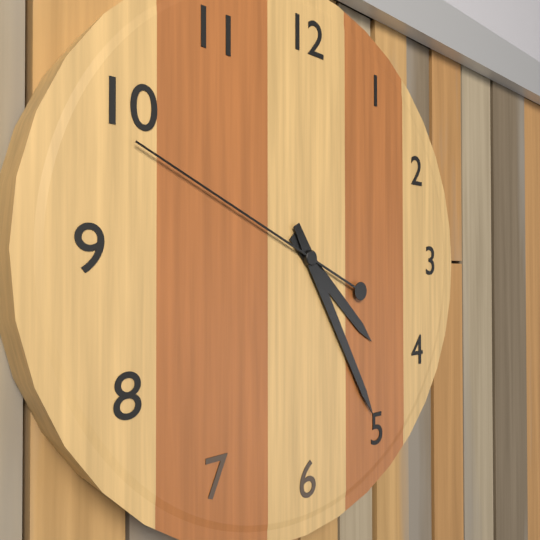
4:25:49
